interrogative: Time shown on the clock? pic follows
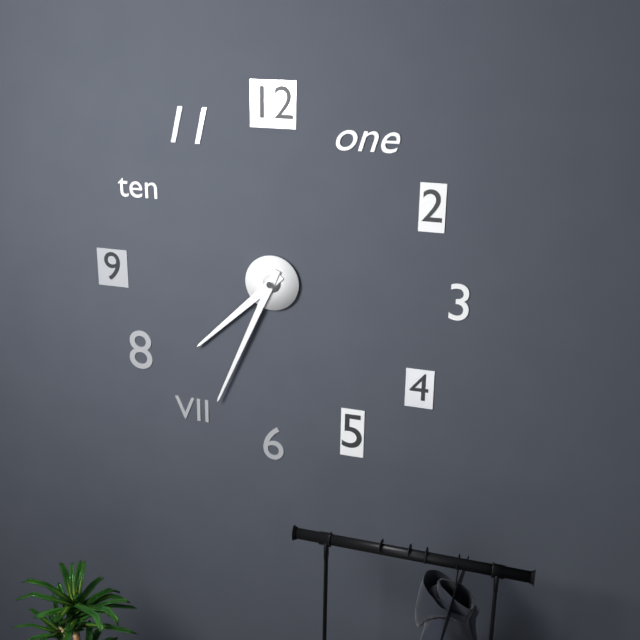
7:34
